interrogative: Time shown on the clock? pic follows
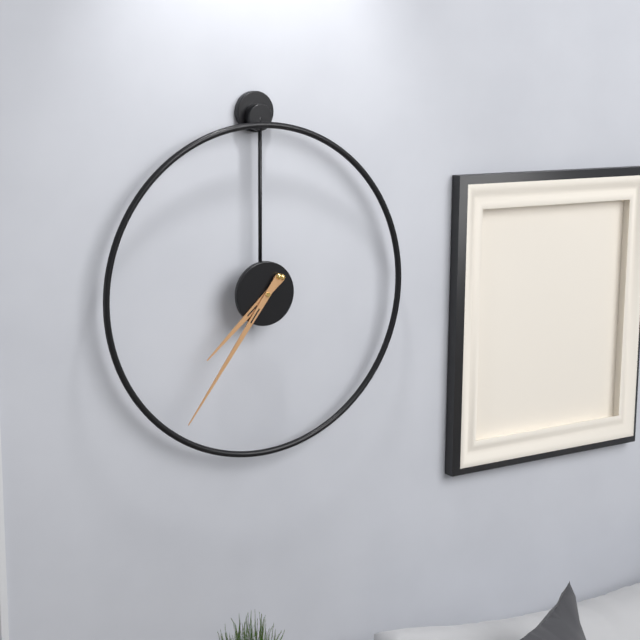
7:36
